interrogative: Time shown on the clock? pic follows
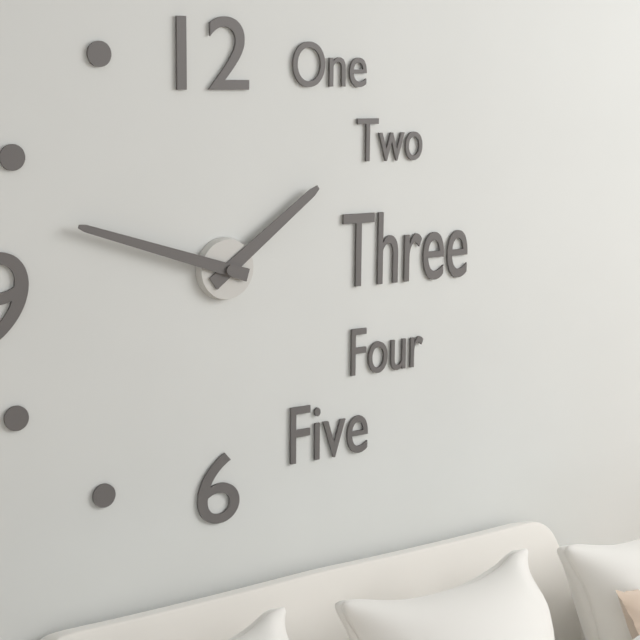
1:48
